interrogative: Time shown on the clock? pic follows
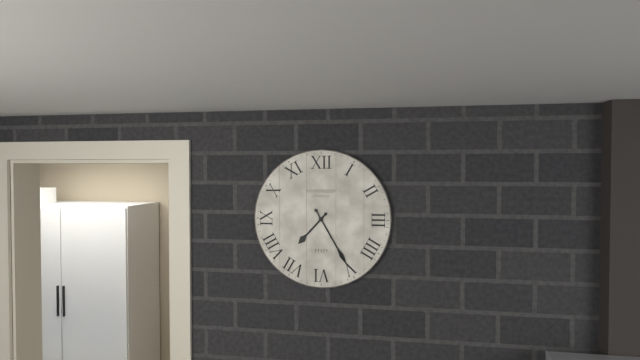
7:25
